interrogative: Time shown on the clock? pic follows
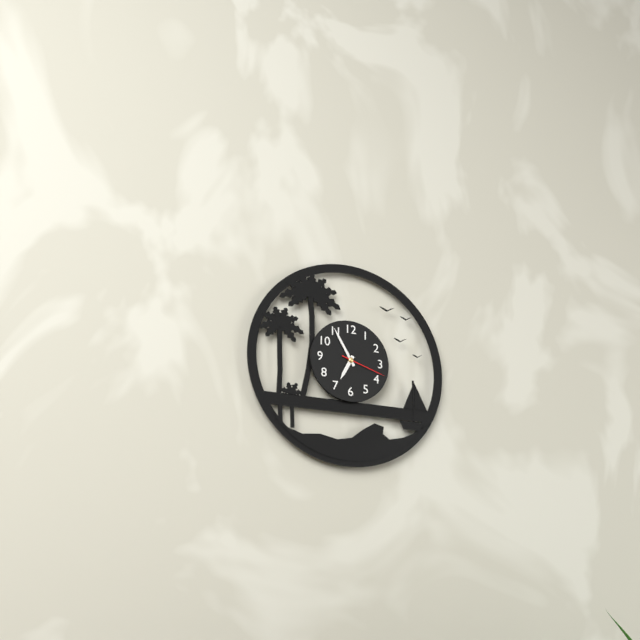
6:55
